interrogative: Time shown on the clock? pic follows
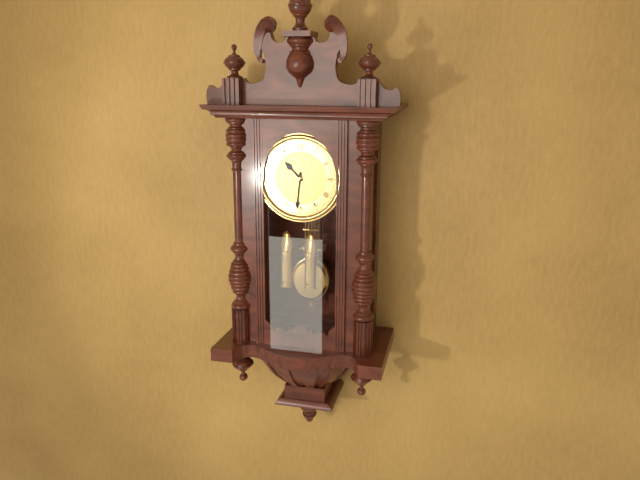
10:31
